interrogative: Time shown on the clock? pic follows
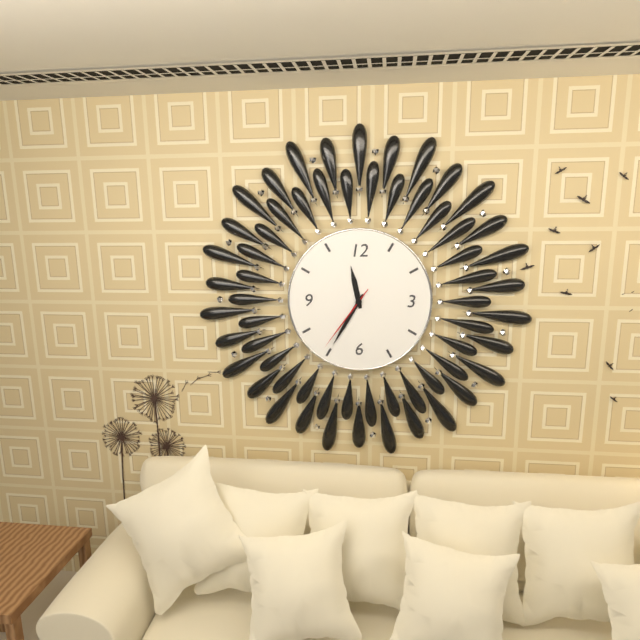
11:35:36
